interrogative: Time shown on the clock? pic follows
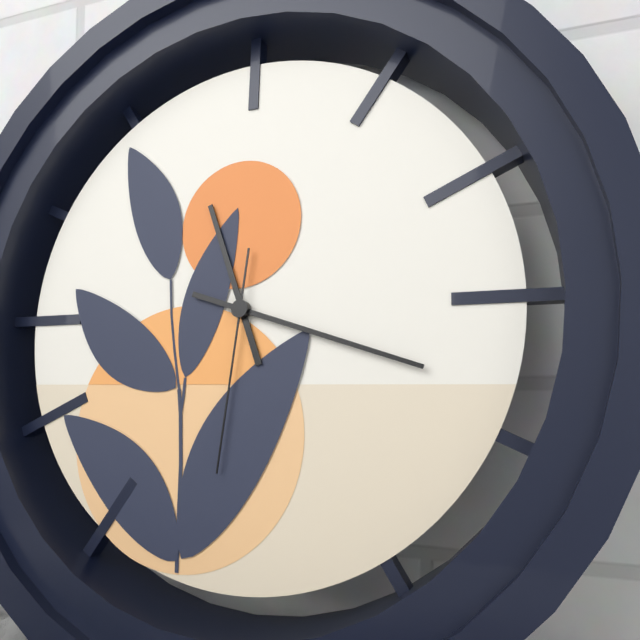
11:18:31
